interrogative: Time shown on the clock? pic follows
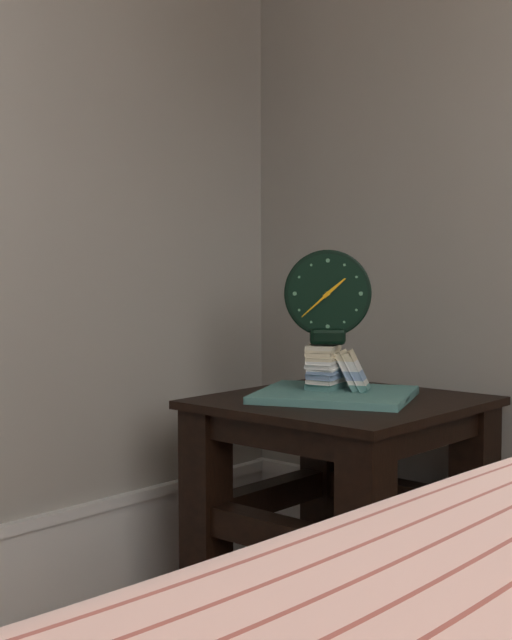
1:38
